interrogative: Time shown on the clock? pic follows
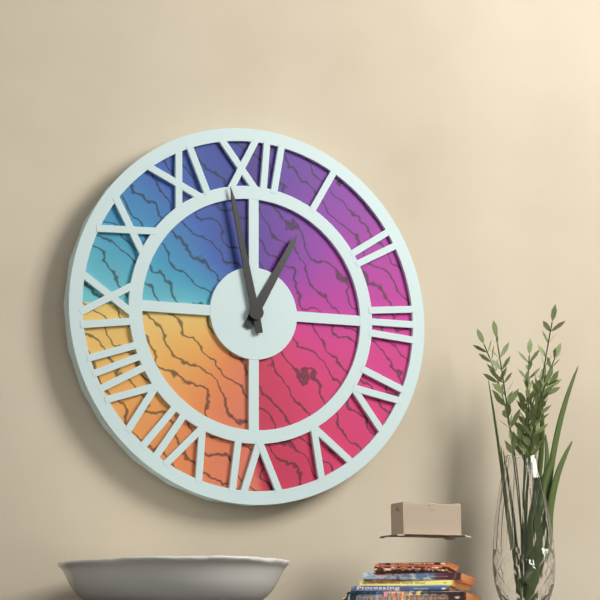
12:58
